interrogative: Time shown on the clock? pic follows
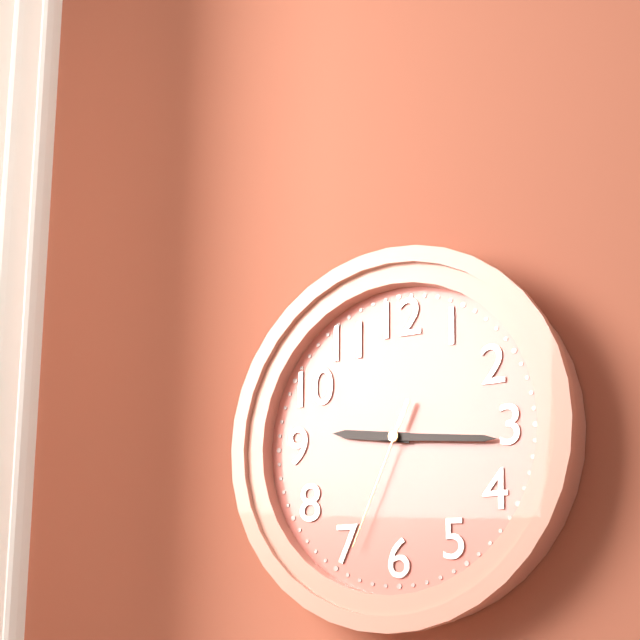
9:16:34
